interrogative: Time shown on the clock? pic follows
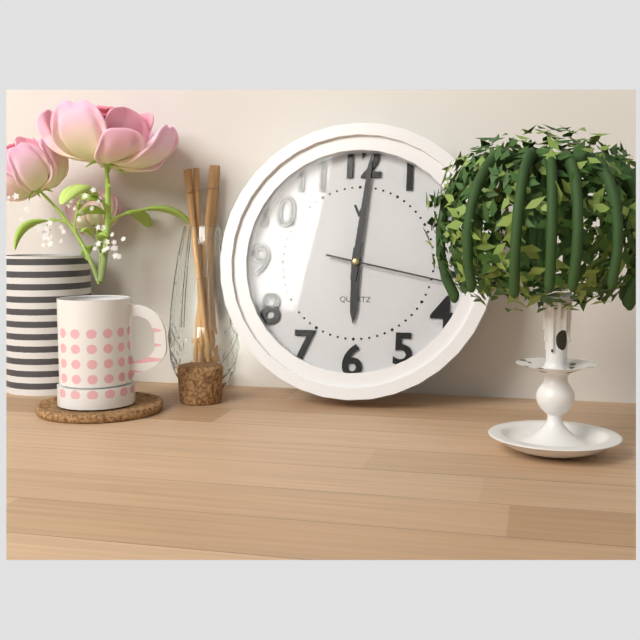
6:01:17
